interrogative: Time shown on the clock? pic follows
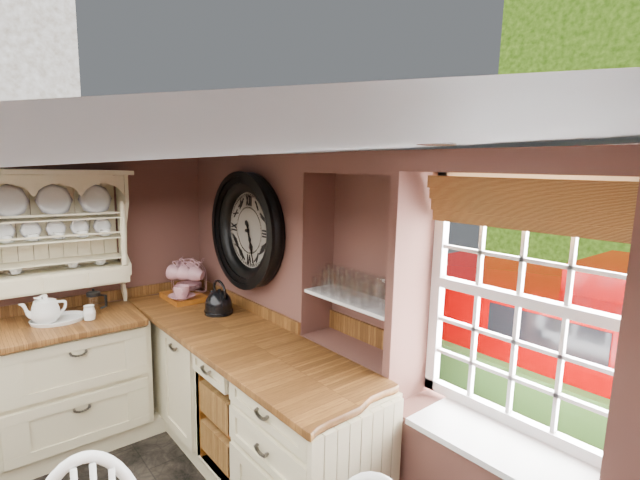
5:27
